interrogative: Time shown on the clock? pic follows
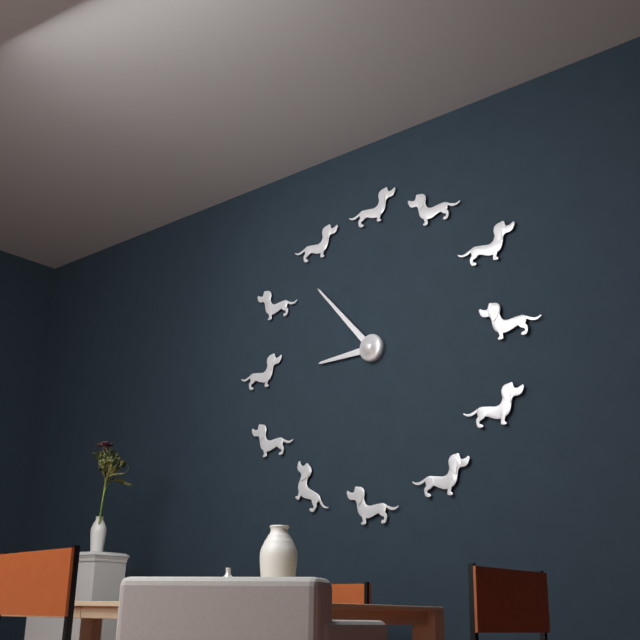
8:53
